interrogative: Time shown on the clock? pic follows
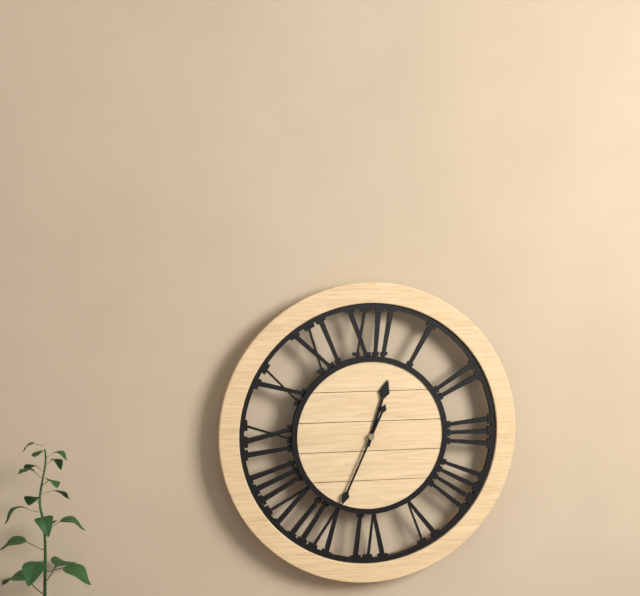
12:34
